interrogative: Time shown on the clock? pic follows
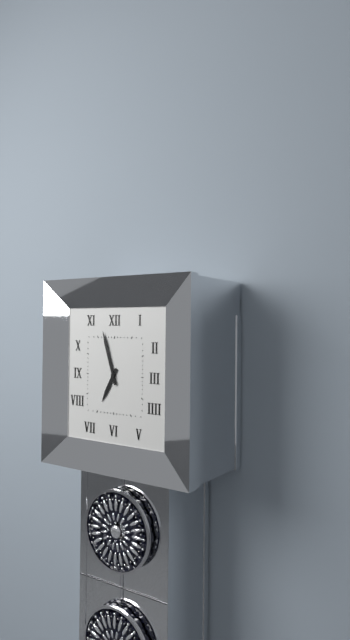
6:57
